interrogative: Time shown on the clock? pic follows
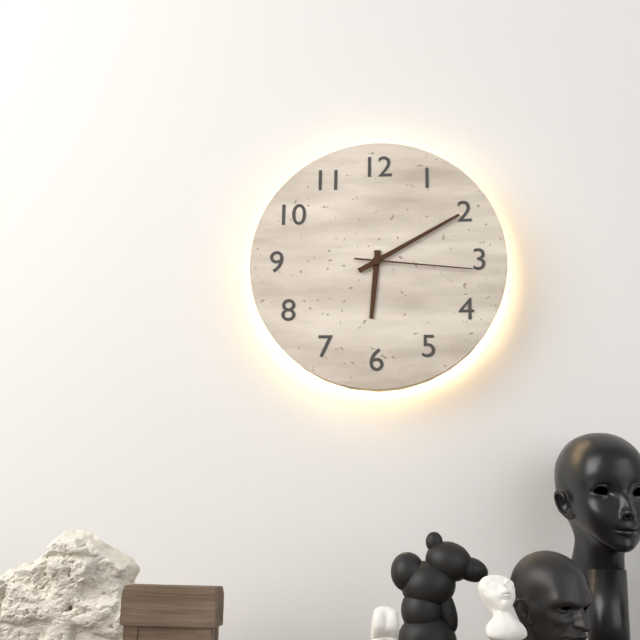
6:10:16
